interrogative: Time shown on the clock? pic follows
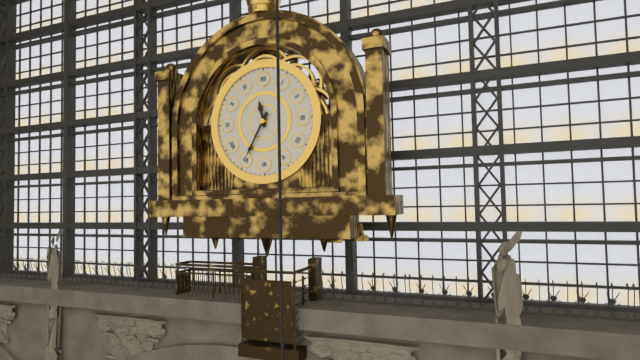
11:35
